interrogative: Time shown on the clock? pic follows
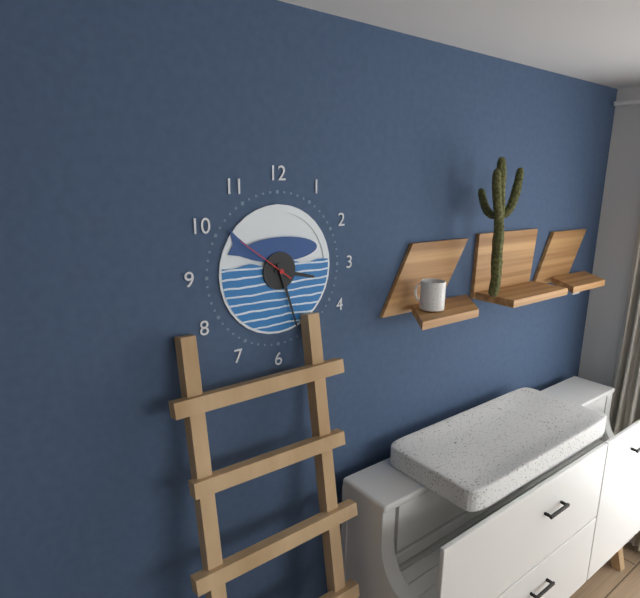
3:27:51
